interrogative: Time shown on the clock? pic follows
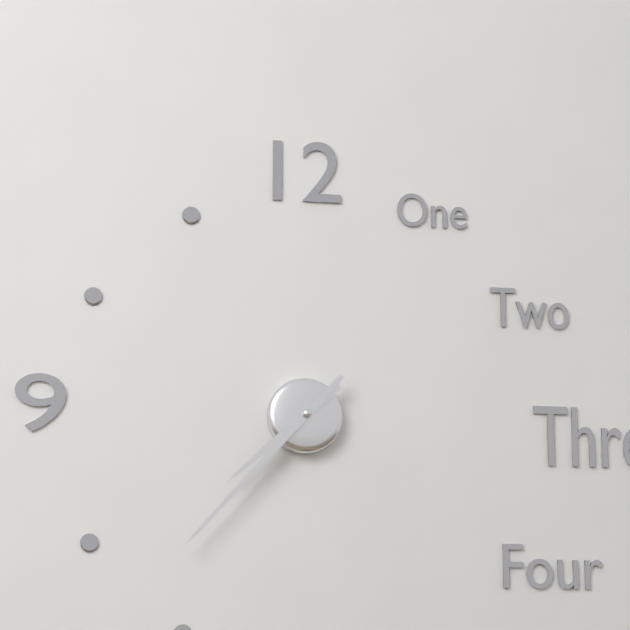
7:37
